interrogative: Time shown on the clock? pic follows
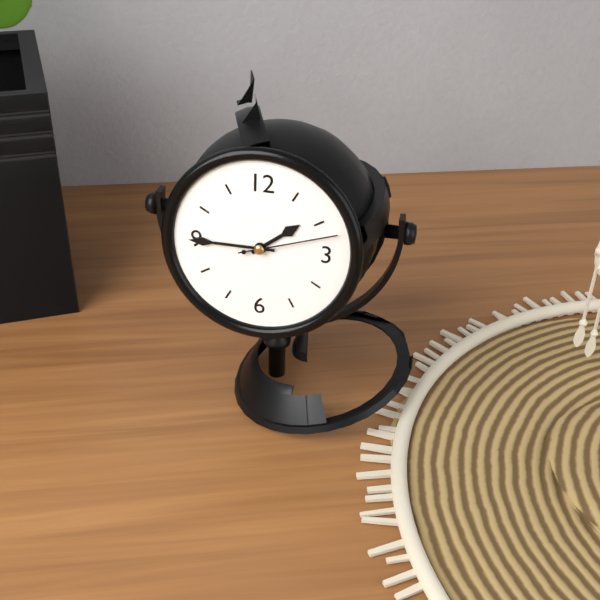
1:45:12
